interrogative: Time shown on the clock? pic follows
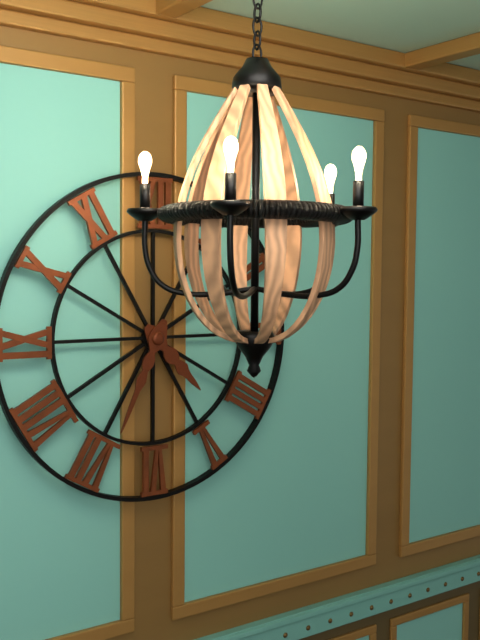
4:34
